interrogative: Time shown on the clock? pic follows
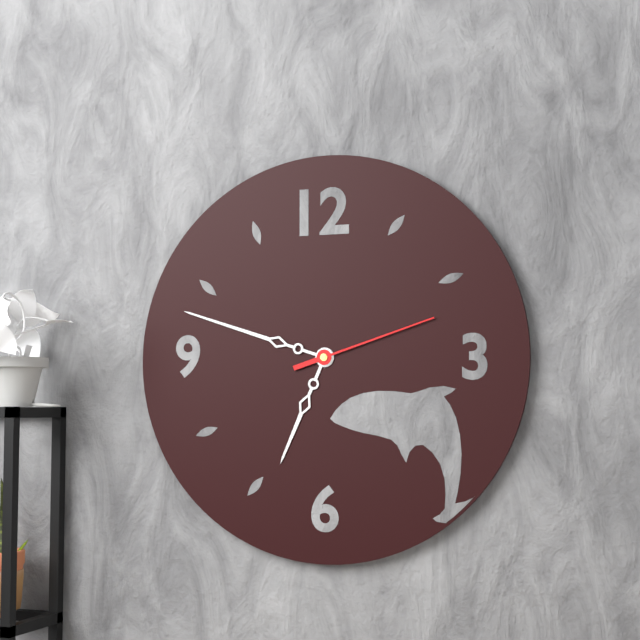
6:48:12
